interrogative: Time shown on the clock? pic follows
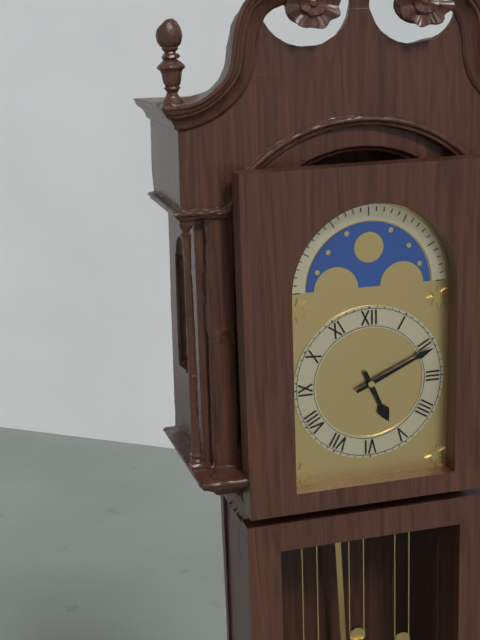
5:11
